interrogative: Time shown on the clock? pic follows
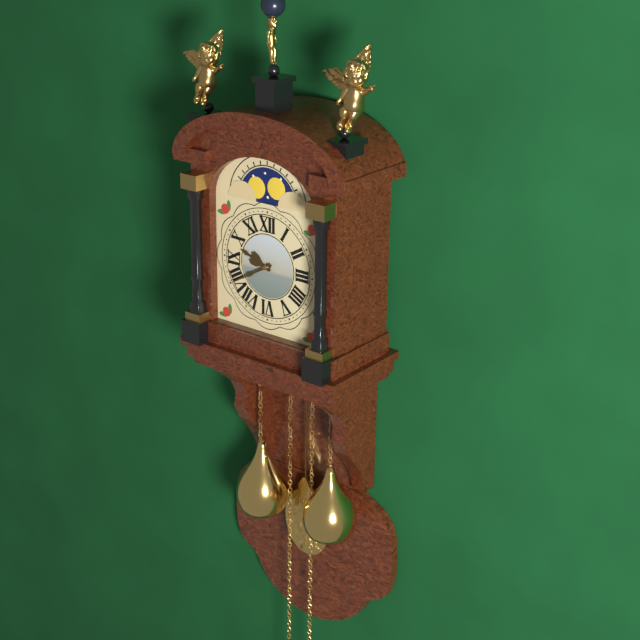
9:40
